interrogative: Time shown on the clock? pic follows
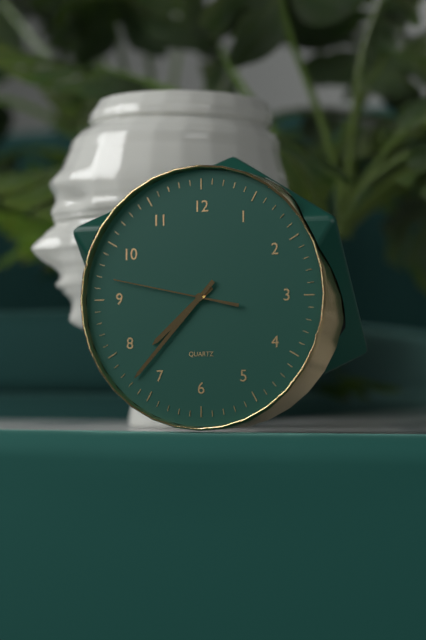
7:37:47
